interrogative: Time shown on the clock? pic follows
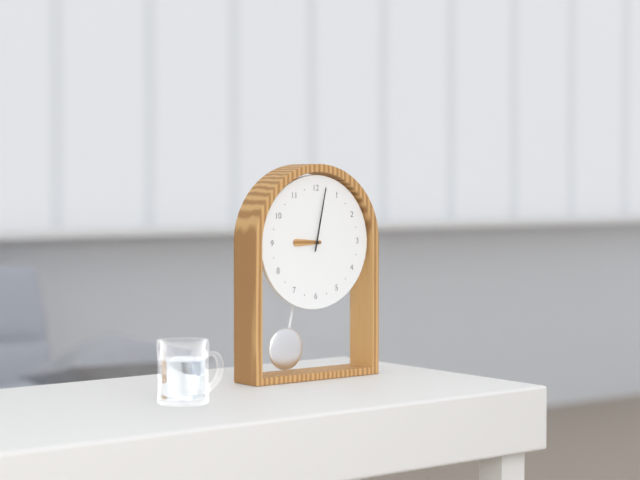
9:02
